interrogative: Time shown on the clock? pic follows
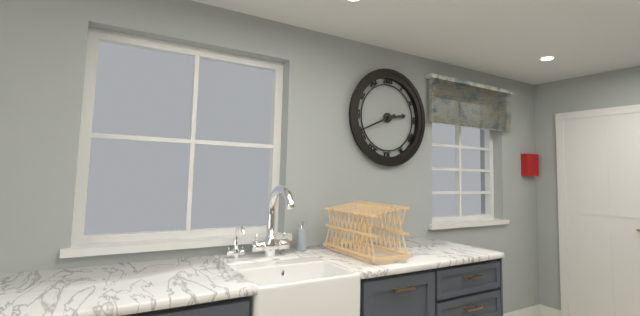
2:41
